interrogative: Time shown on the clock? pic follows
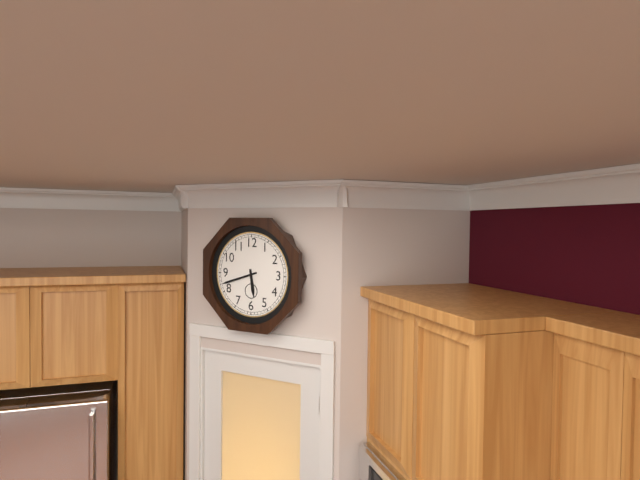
5:42
